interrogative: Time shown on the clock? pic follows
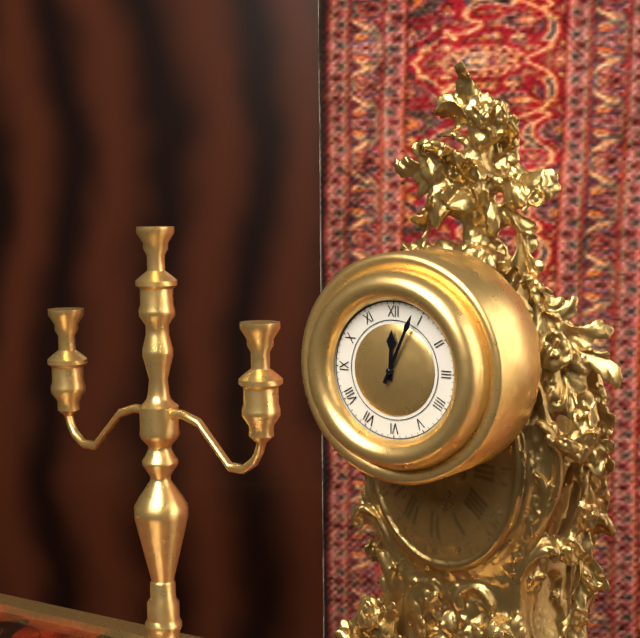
12:04
